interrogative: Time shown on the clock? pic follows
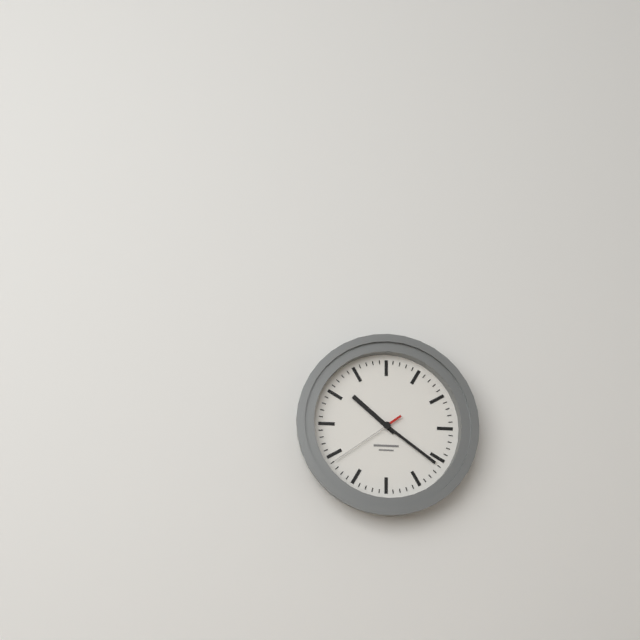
10:21:39
